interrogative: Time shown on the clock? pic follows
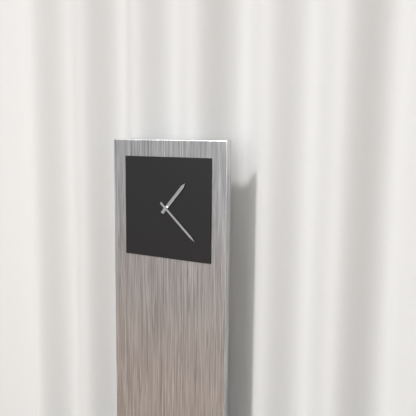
1:22
